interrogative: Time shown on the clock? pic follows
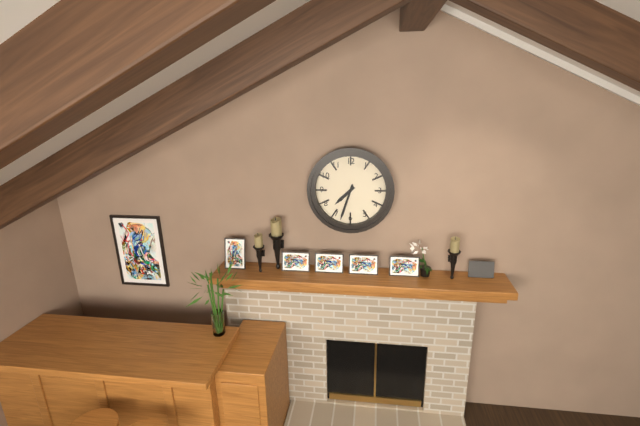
7:33
